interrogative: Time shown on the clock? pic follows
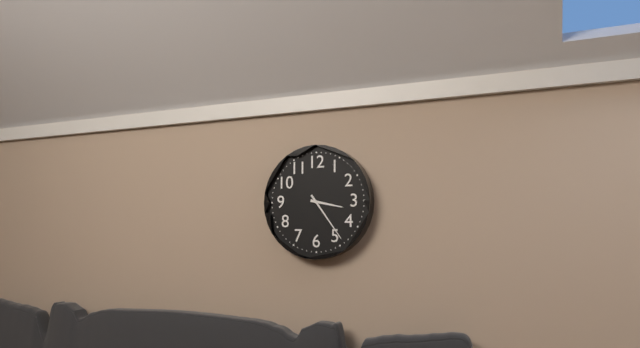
3:24
